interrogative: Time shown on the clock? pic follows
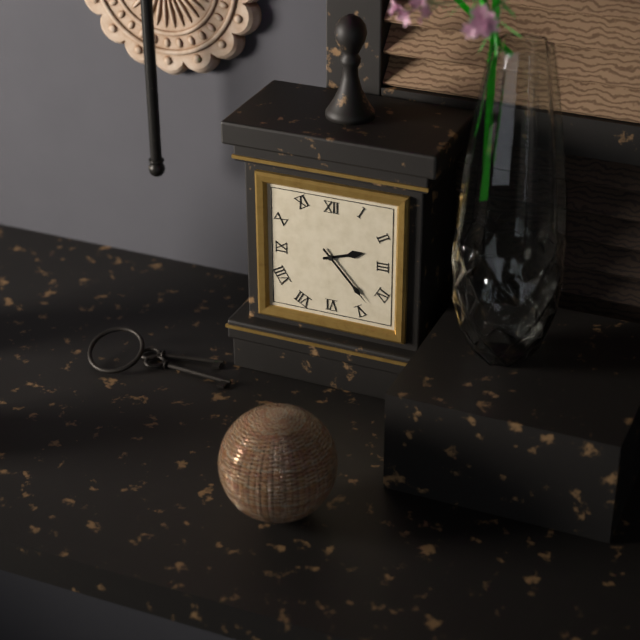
2:23
